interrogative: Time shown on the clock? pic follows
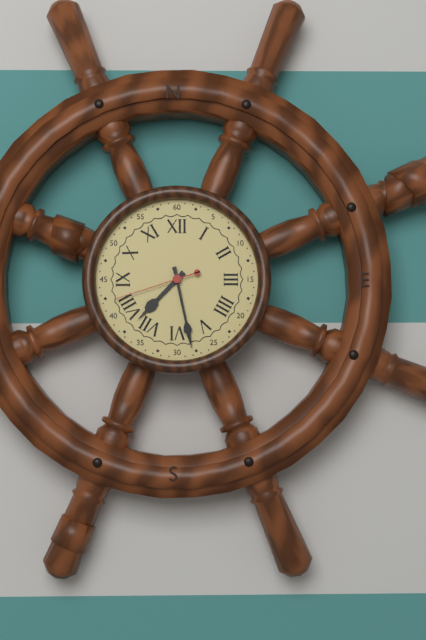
7:28:42
